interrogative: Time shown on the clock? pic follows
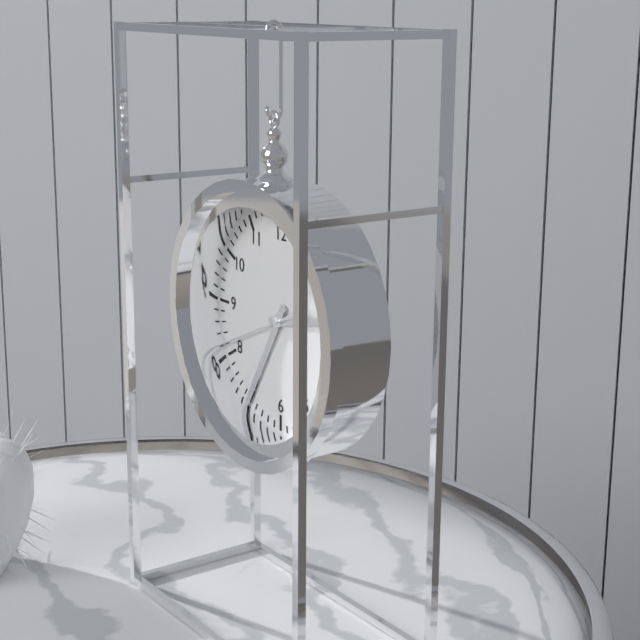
2:35:41
